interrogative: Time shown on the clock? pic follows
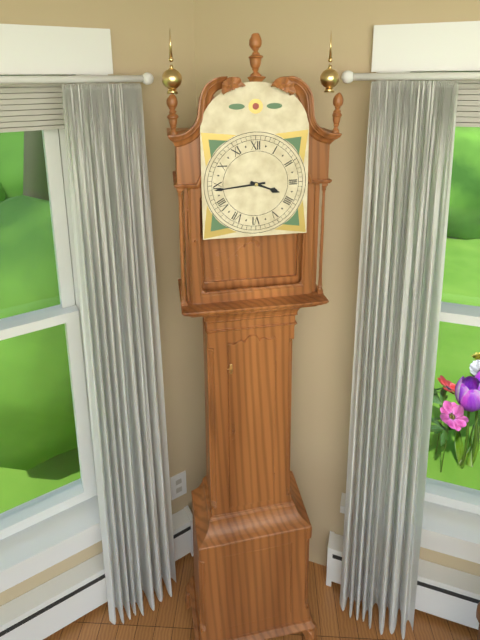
3:44
